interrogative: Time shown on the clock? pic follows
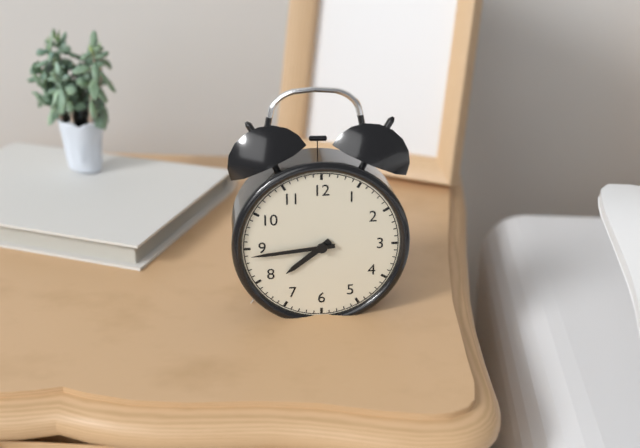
7:44
